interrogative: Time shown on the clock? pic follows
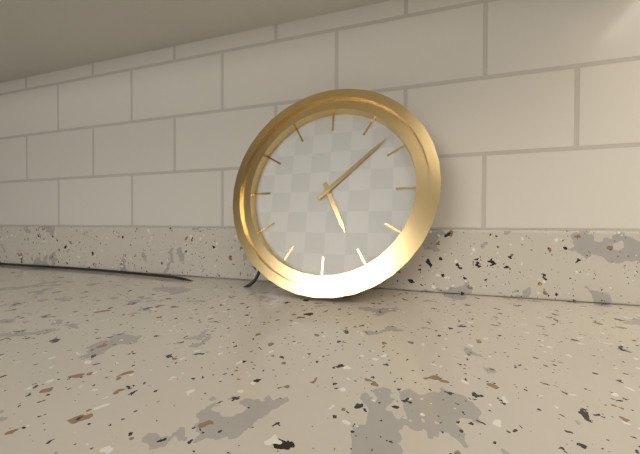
5:08
